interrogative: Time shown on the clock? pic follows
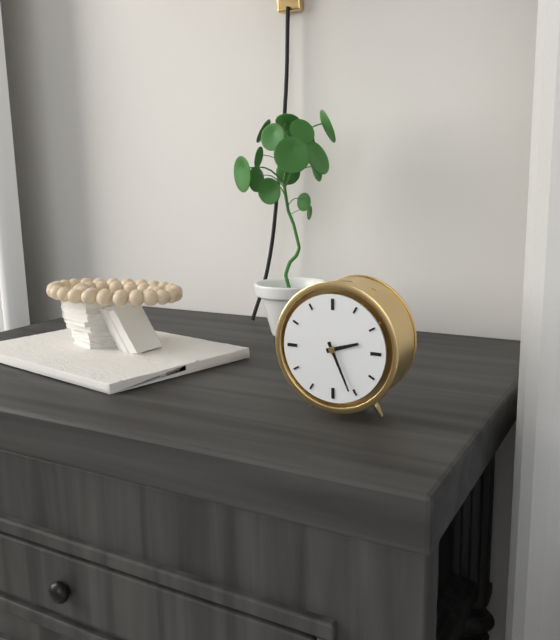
2:26
